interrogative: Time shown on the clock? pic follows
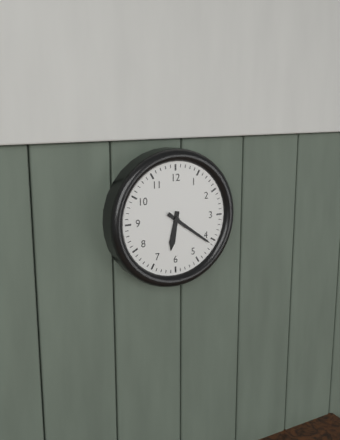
6:21
